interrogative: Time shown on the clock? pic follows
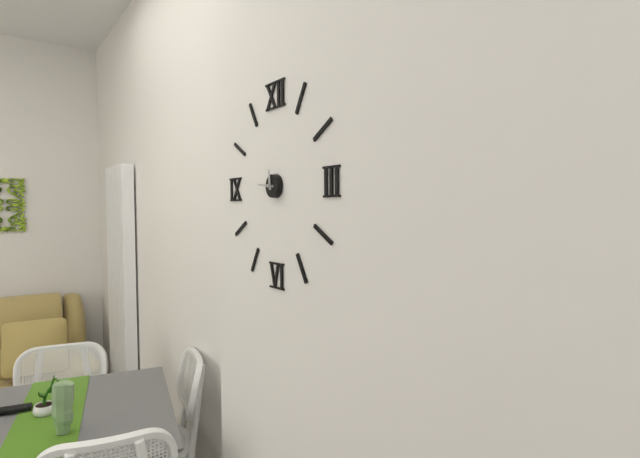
11:46
